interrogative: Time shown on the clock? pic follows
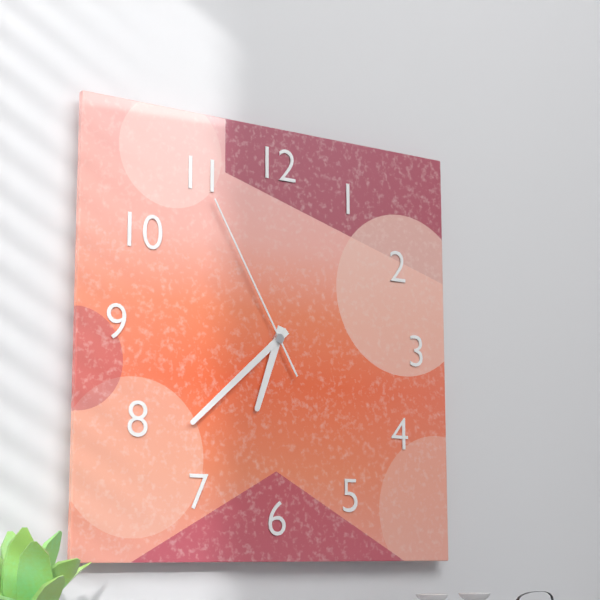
6:38:55
